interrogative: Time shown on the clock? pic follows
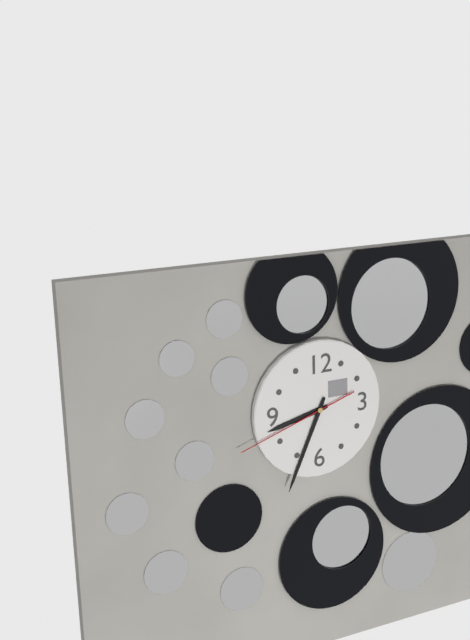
8:34:42
